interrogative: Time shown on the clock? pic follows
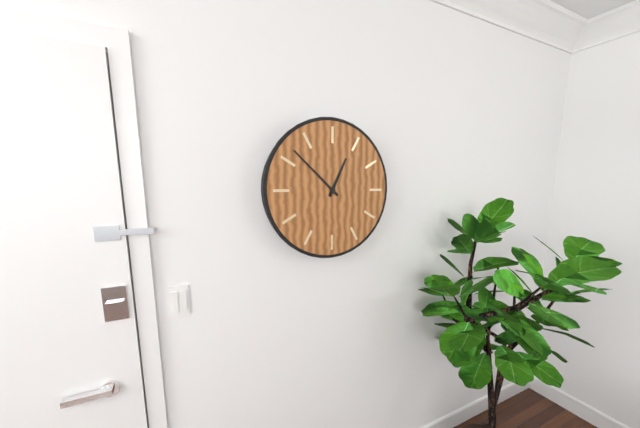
12:52
